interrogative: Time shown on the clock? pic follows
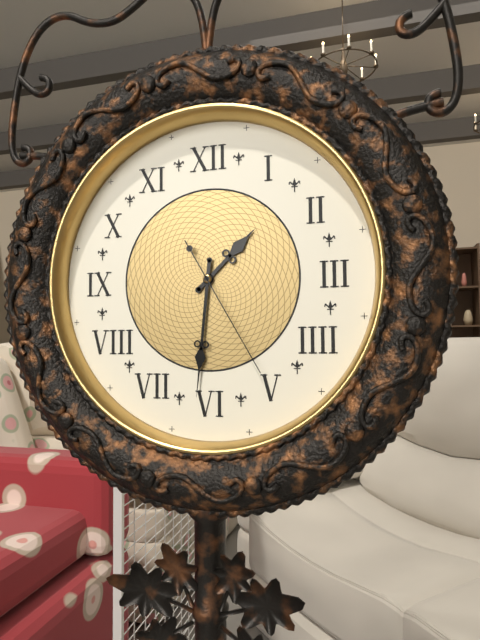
1:31:25
